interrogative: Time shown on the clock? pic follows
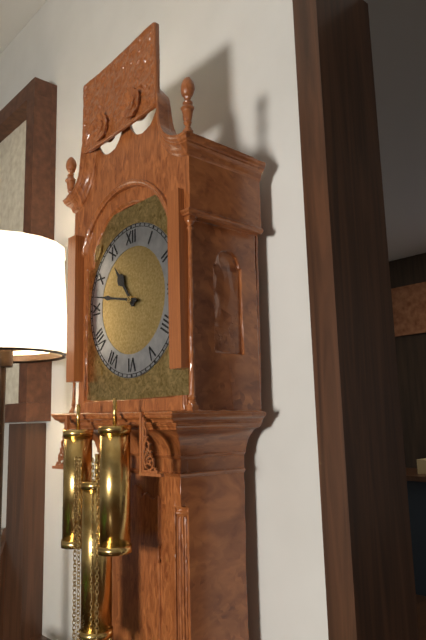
10:47
